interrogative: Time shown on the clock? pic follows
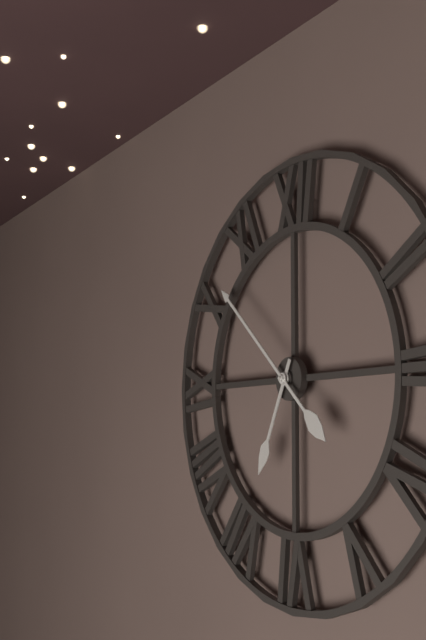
6:52
